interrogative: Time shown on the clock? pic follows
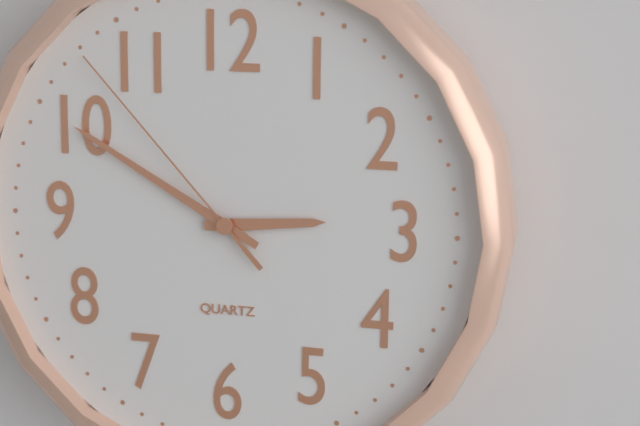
2:50:53
